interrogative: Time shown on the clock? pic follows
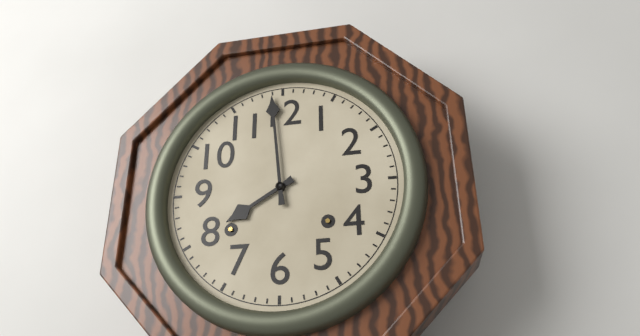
7:59
